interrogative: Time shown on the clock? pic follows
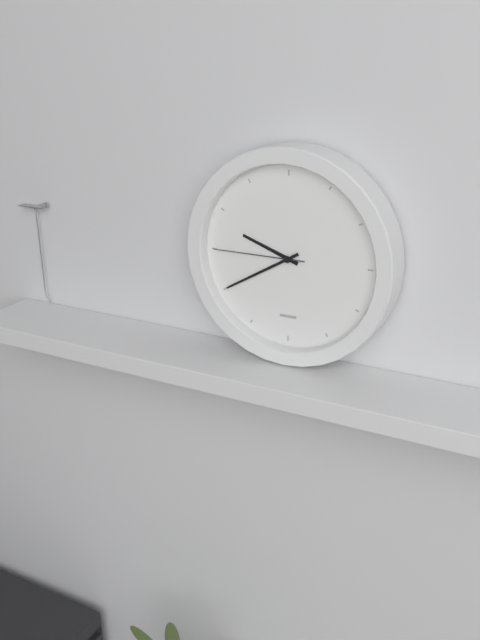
9:40:45
